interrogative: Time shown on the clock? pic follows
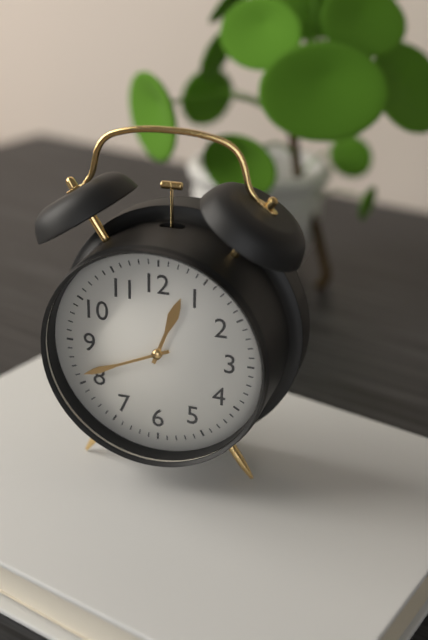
12:41
